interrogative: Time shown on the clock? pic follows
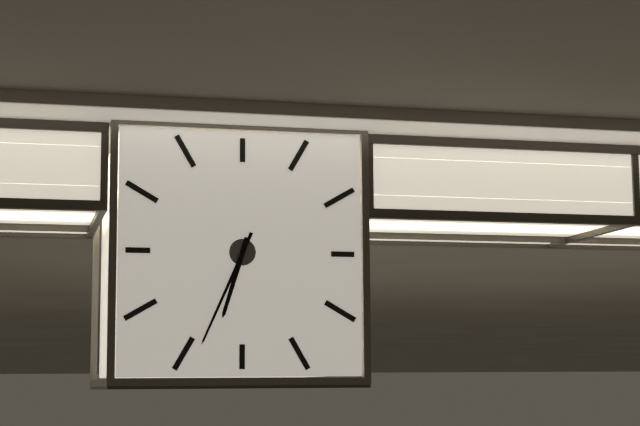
6:34
